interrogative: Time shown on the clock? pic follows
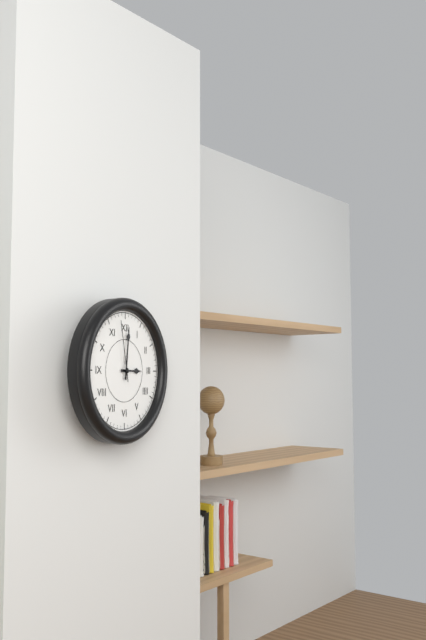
3:01:58
